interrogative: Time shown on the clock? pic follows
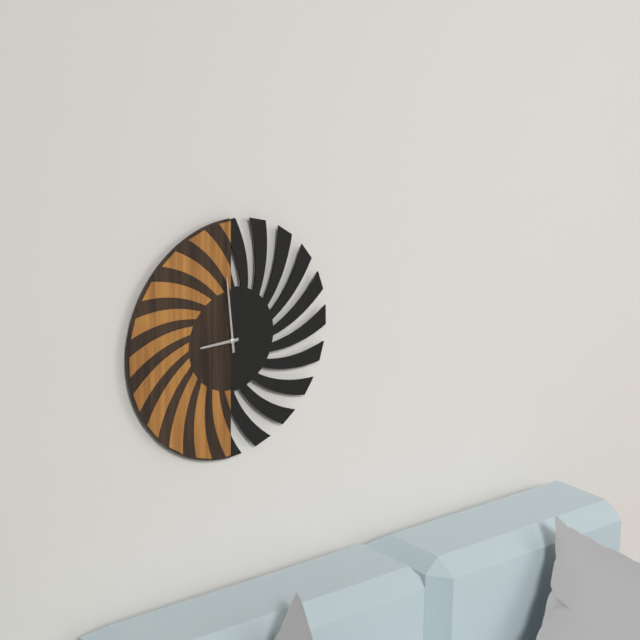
8:59
